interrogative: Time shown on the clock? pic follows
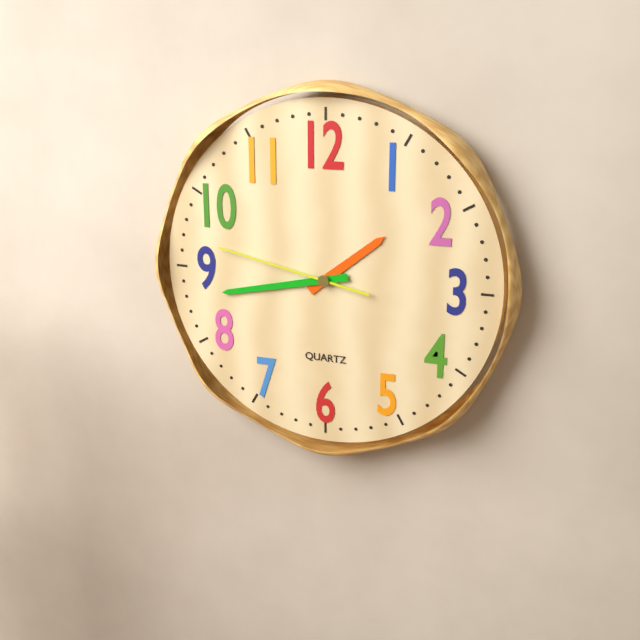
1:43:47
